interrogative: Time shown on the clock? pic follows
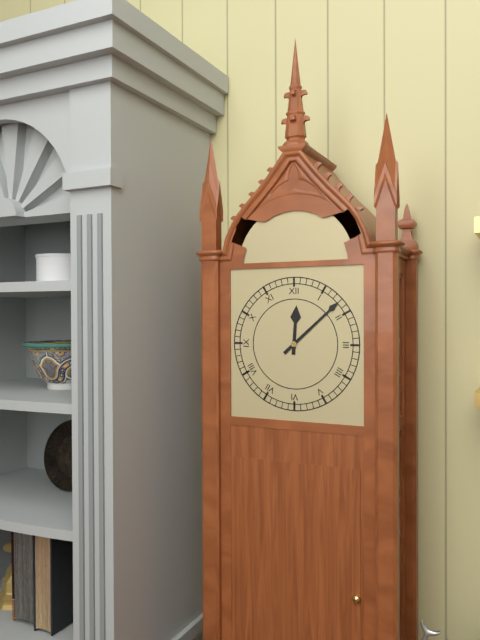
12:08
